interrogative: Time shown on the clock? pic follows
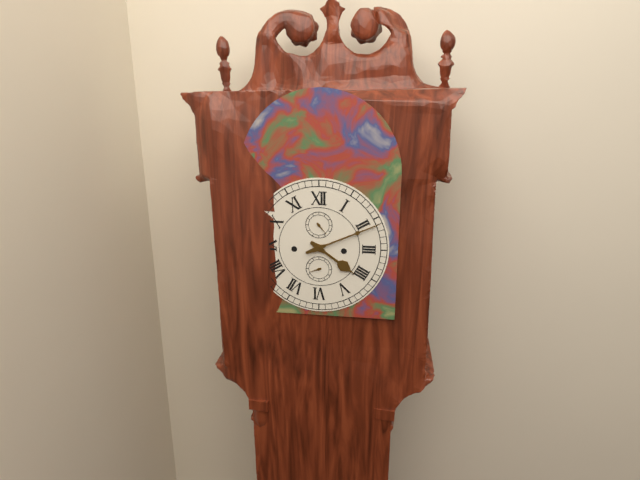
4:11
